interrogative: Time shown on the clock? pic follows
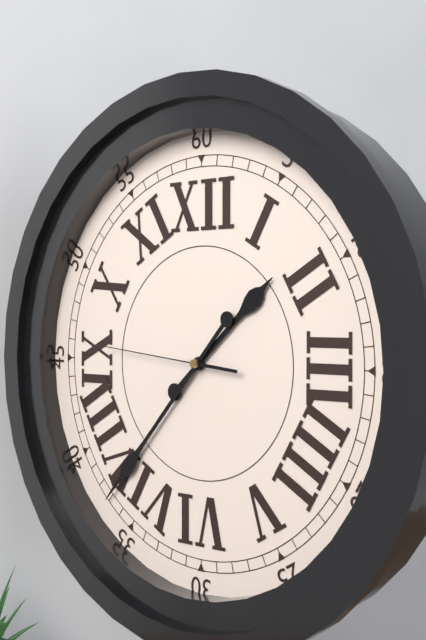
1:37:46
